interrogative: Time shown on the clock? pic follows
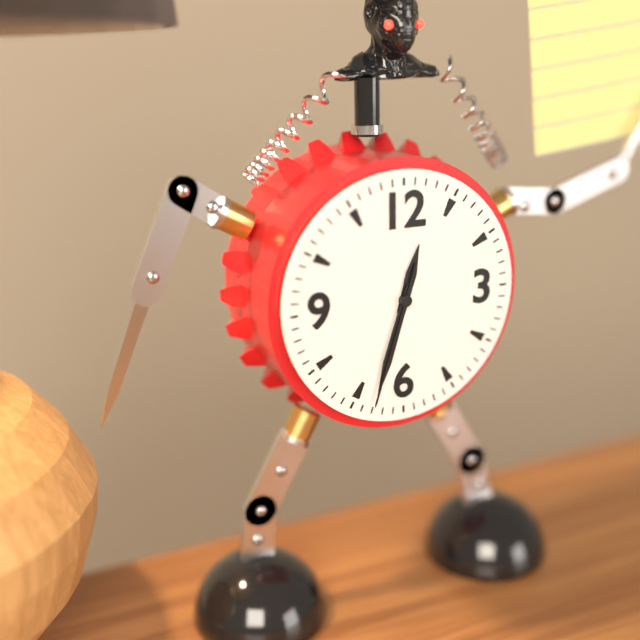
12:33:33
